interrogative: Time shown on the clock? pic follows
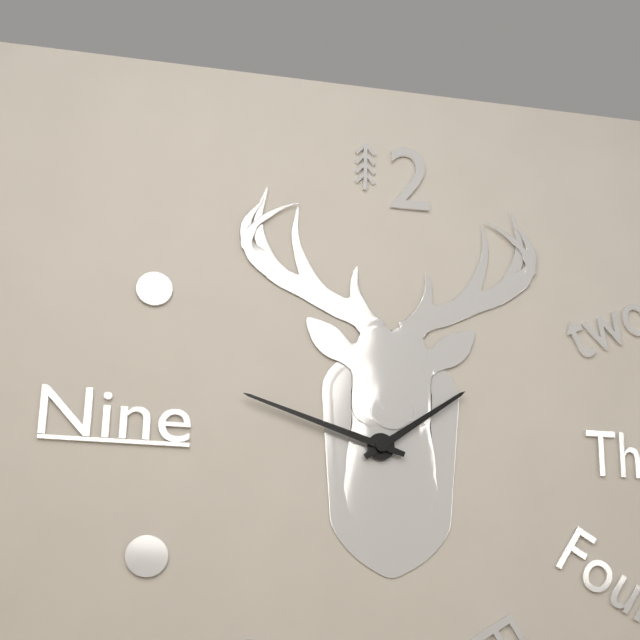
1:48
